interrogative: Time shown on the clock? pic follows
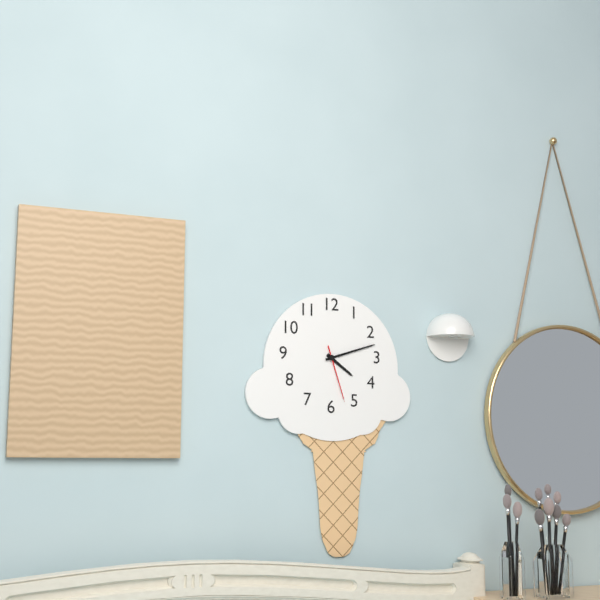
4:12:27
